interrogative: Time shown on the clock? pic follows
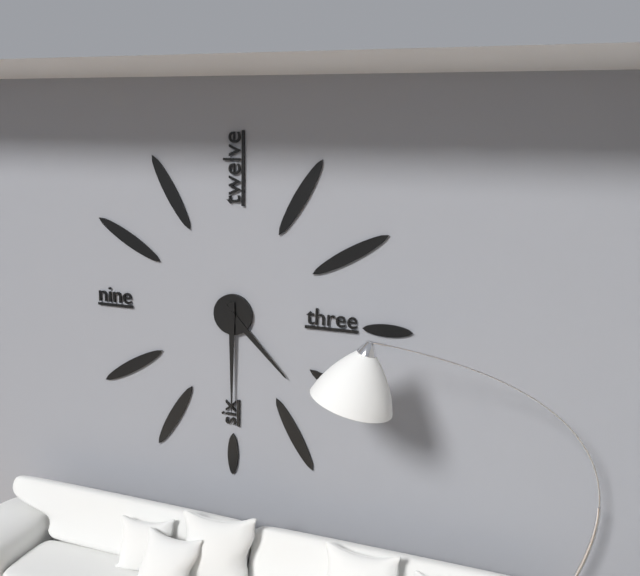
4:30
